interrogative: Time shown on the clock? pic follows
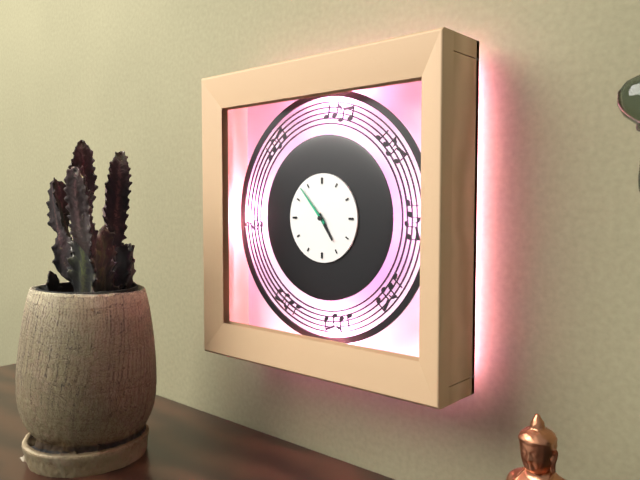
4:53
